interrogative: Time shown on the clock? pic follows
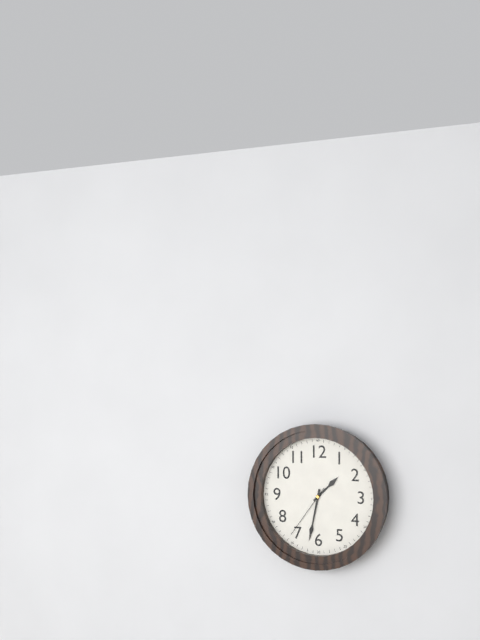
1:32:36
